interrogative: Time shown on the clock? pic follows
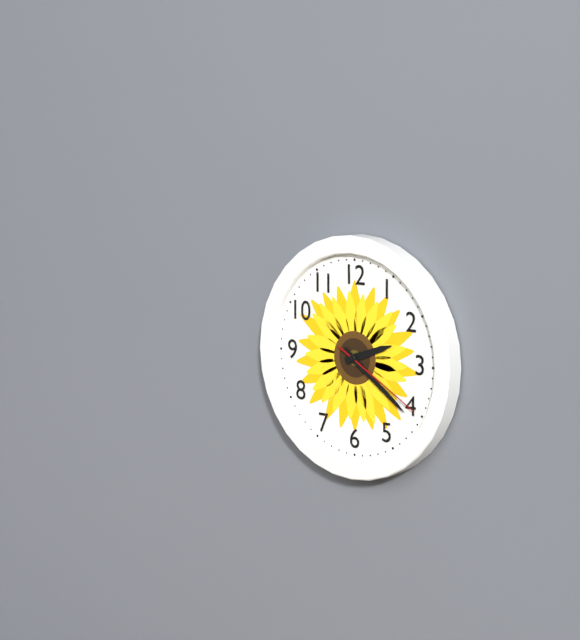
2:21:20
